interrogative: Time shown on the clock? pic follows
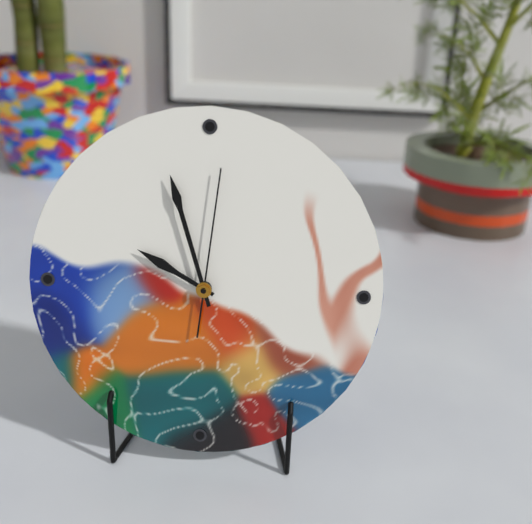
9:57:01
